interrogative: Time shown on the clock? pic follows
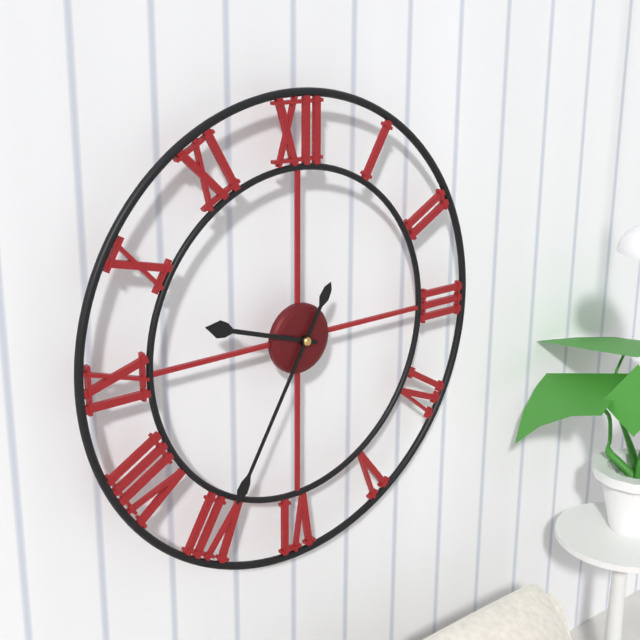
9:35
